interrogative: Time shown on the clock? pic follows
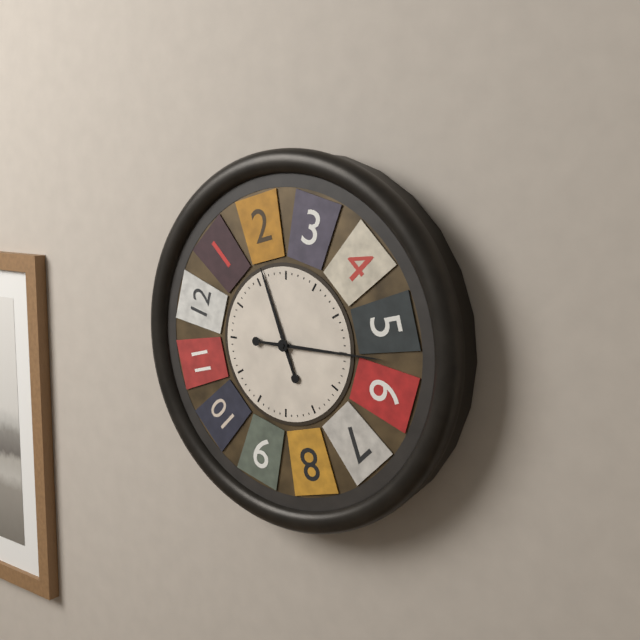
11:15
